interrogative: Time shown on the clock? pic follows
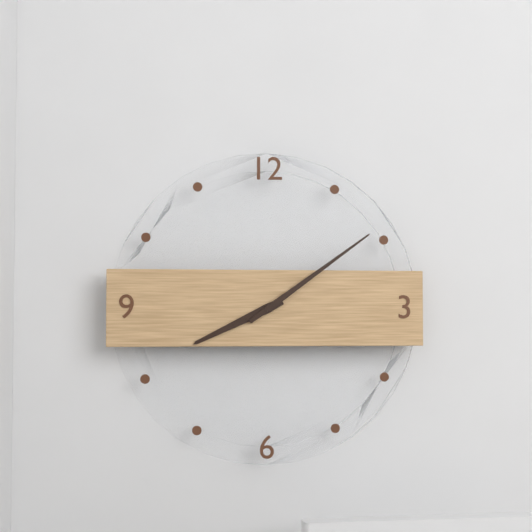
8:09
